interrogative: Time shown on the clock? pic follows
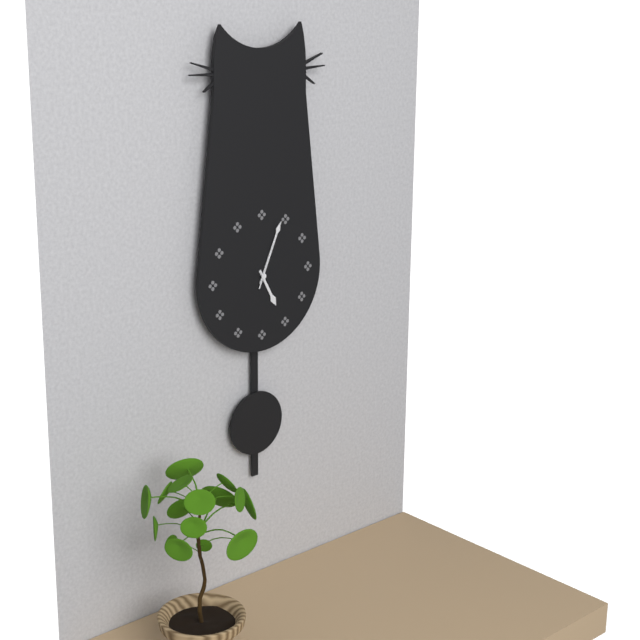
5:04:04
